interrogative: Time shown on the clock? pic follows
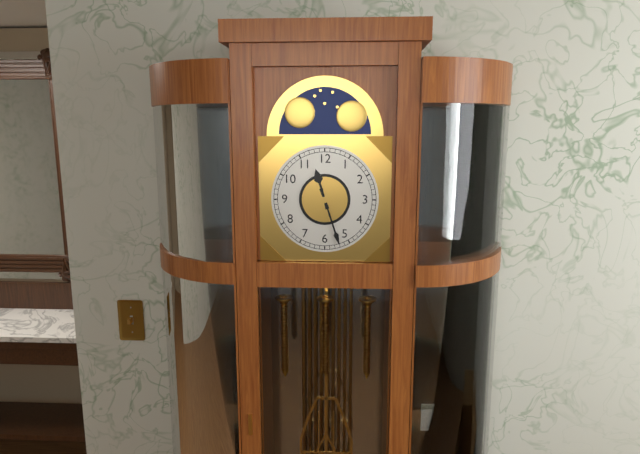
11:27
